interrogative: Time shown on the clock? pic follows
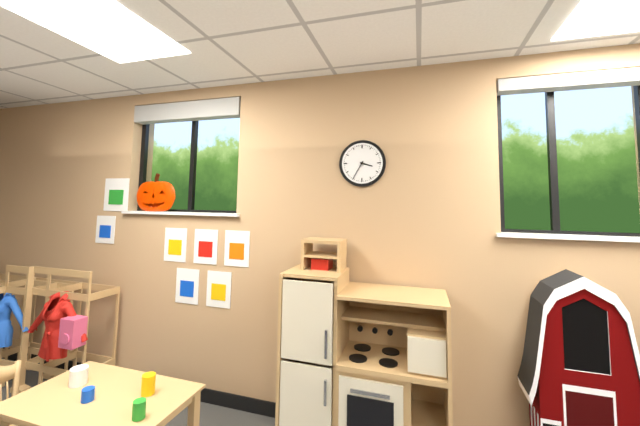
3:35
